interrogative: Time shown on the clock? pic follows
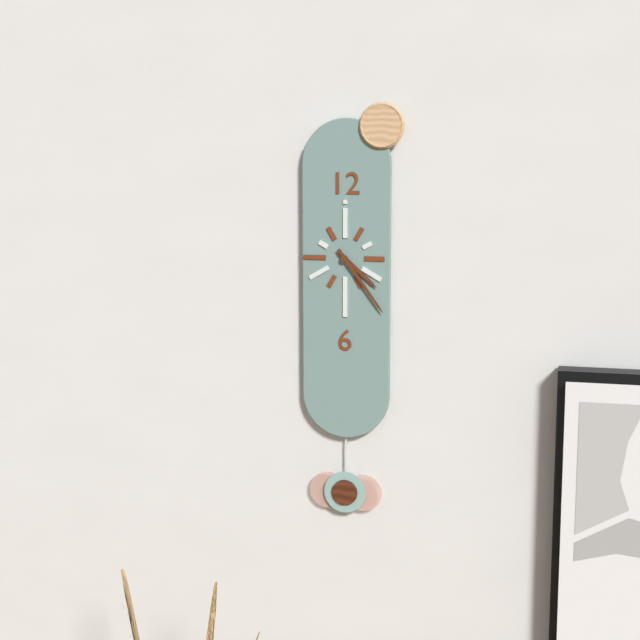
4:24
